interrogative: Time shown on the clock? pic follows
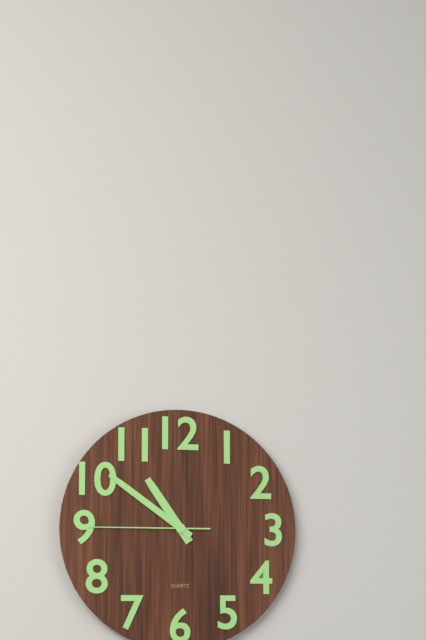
10:51:45
